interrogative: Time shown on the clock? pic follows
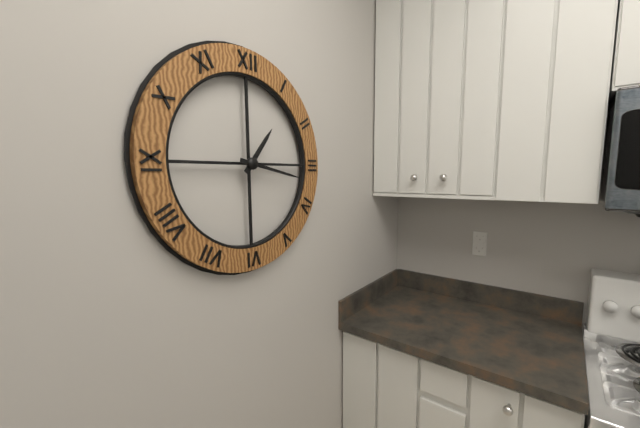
1:17
